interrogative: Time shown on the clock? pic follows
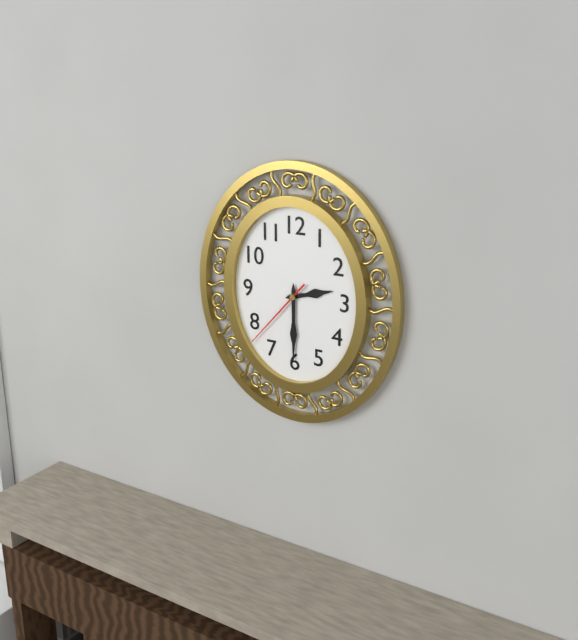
2:30:37
